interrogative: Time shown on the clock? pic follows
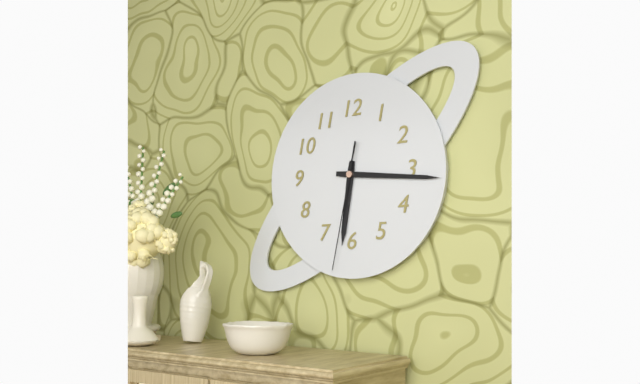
6:16:32
